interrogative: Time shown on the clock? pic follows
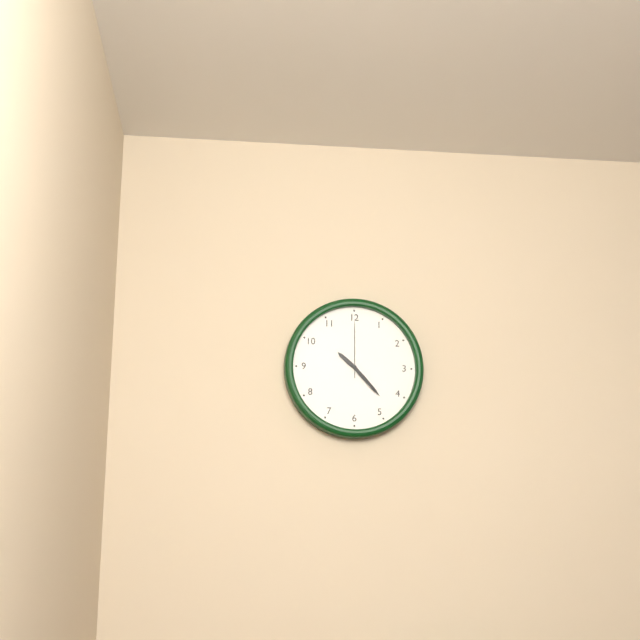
10:23:00
